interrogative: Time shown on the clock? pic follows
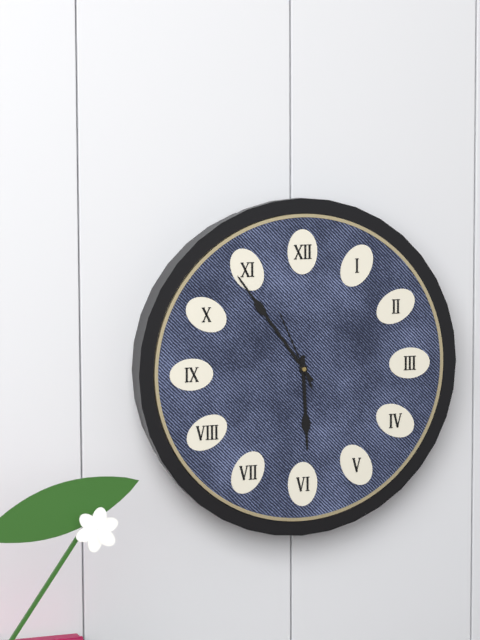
5:54:56
